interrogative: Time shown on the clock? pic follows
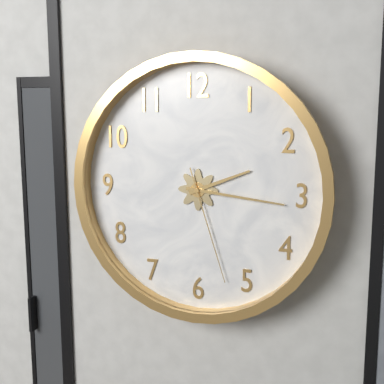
2:16:27
